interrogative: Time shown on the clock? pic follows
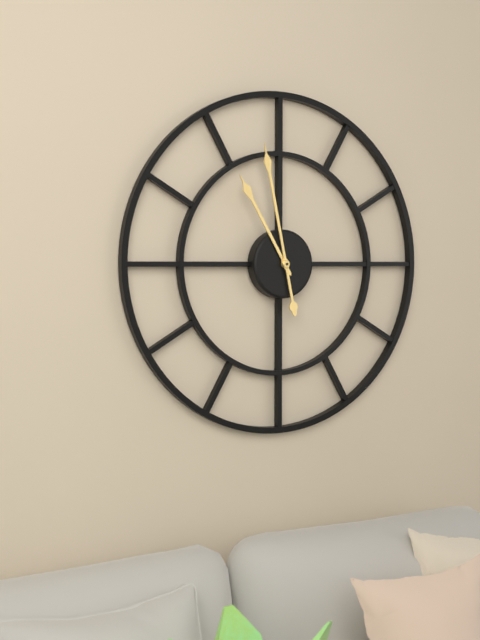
10:58
